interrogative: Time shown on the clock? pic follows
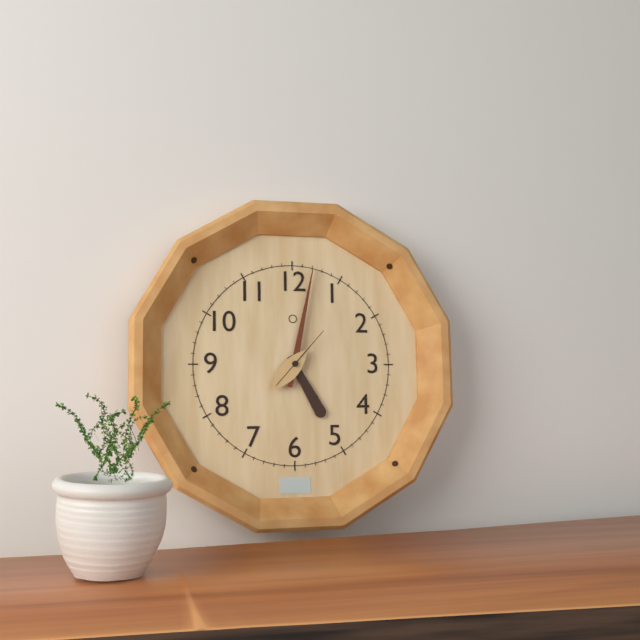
5:02:07
